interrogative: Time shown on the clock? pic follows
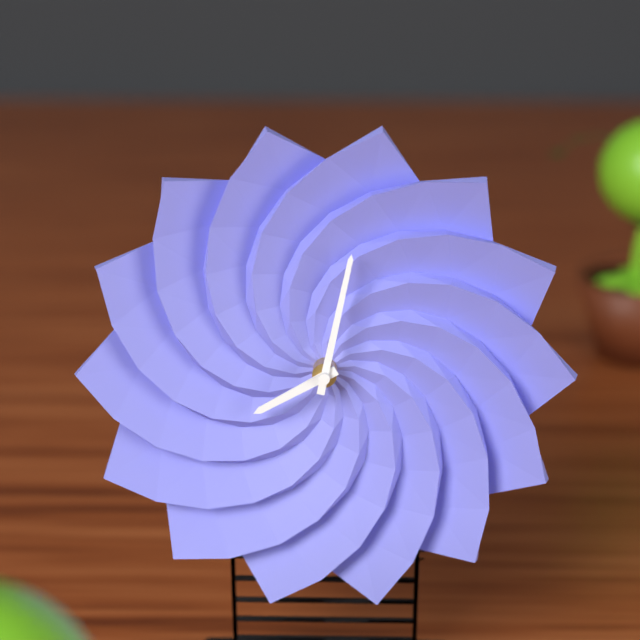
8:02
